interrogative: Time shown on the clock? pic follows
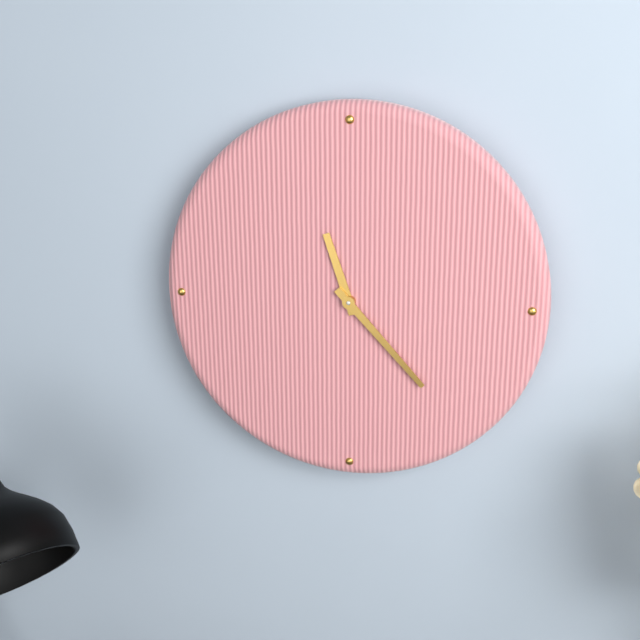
11:23
